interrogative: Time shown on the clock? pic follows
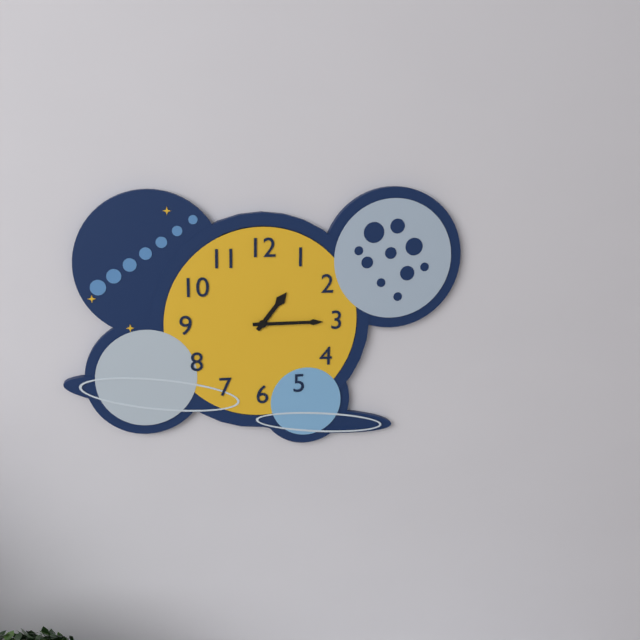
1:15
